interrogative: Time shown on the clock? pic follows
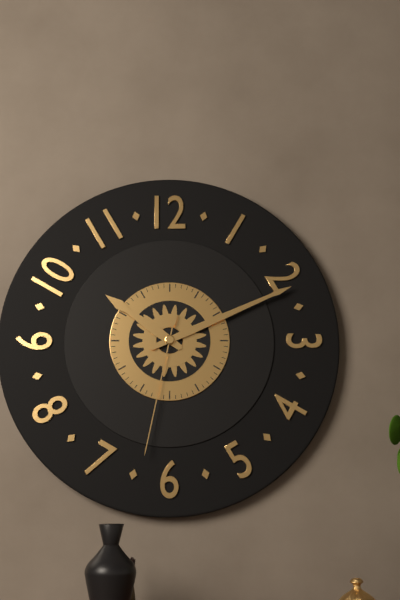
10:11:32
